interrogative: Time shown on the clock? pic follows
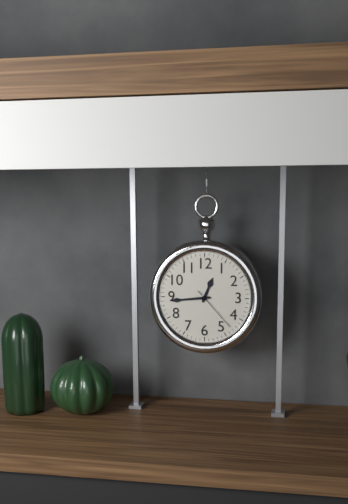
12:44
